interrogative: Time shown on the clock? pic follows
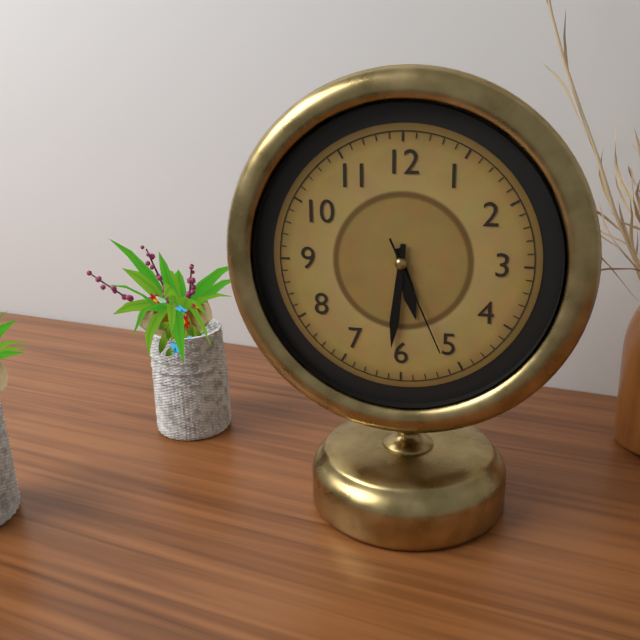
5:31:26
